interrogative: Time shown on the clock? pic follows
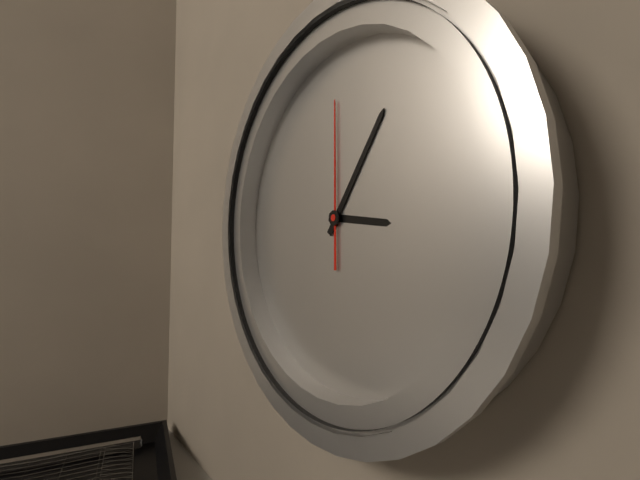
3:05:59
